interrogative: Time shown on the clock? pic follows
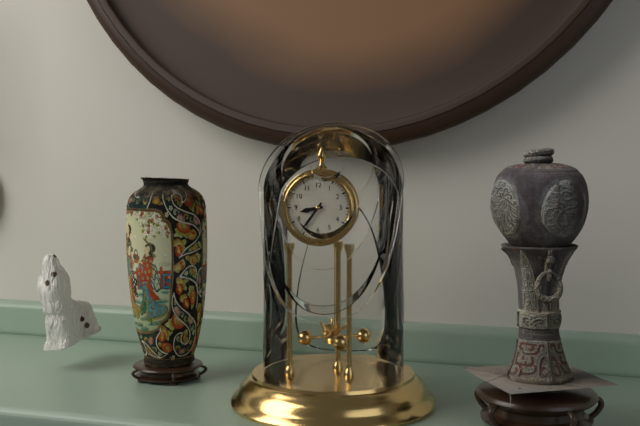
8:36
